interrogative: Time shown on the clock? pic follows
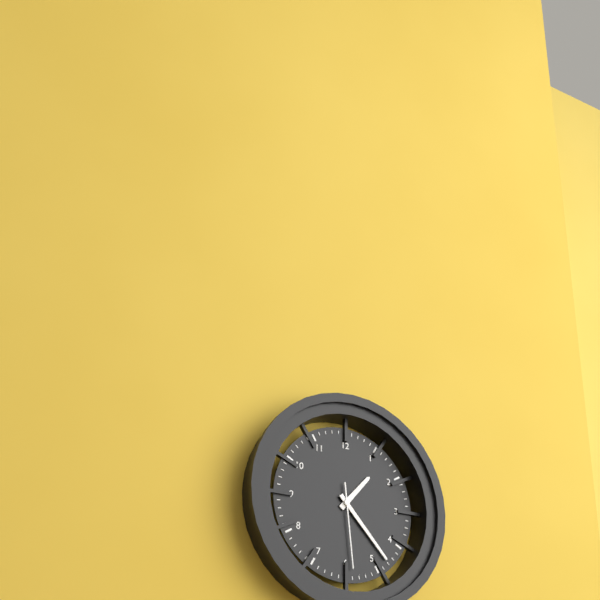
1:23:29
